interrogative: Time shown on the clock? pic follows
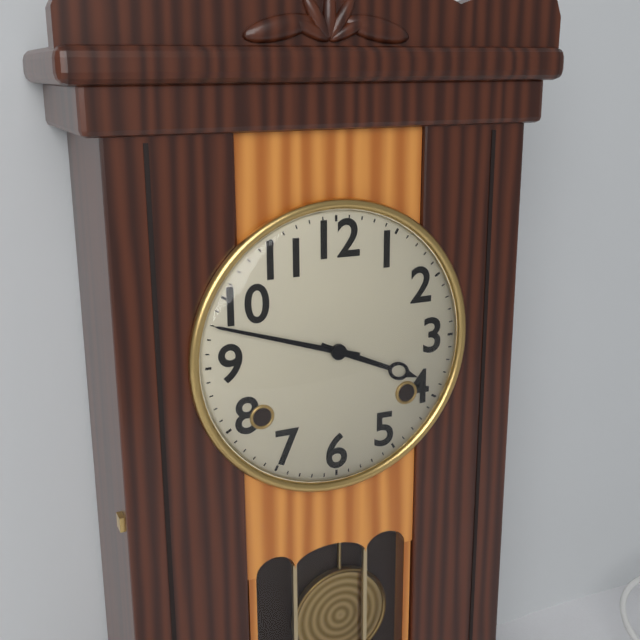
3:48
